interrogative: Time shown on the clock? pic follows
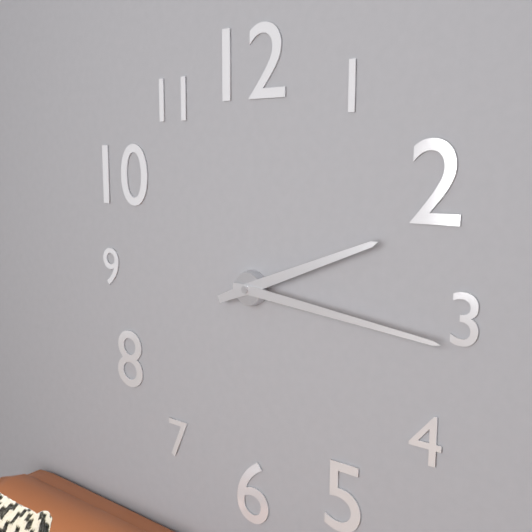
2:16
